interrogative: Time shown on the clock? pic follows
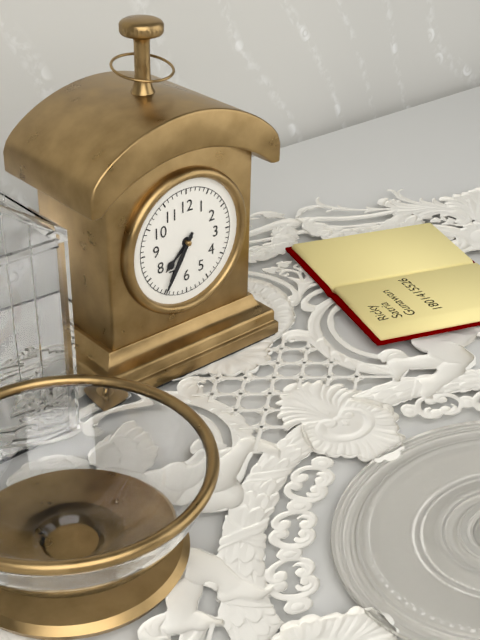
7:35
